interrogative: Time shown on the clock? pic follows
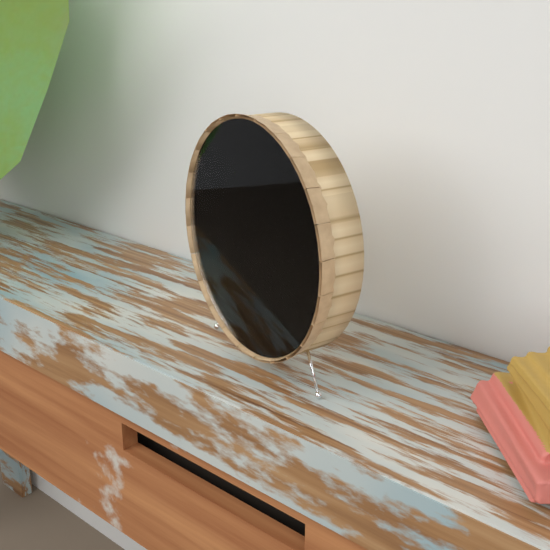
9:56
